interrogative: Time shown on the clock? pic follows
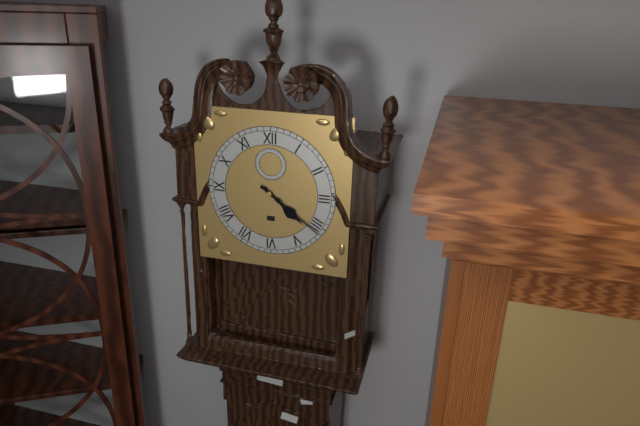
4:21
